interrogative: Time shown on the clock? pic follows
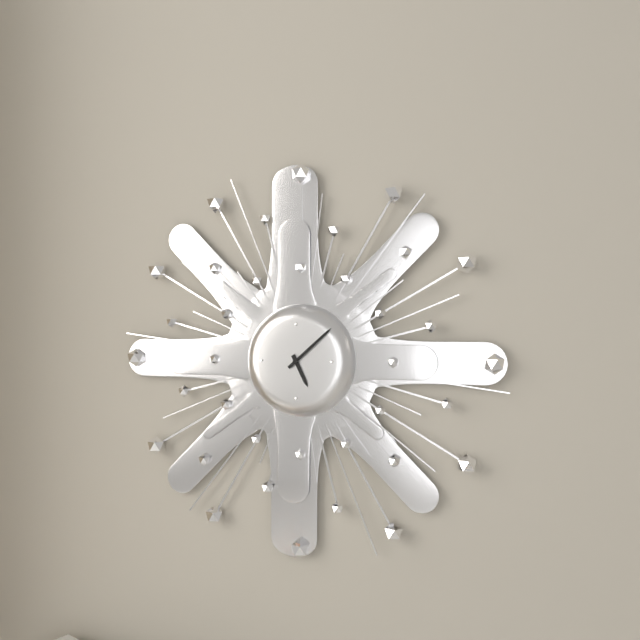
5:08
